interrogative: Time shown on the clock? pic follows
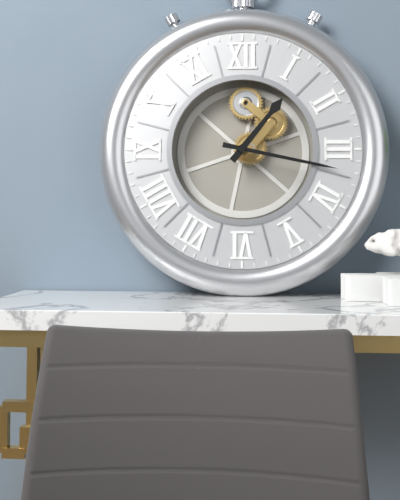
1:17
